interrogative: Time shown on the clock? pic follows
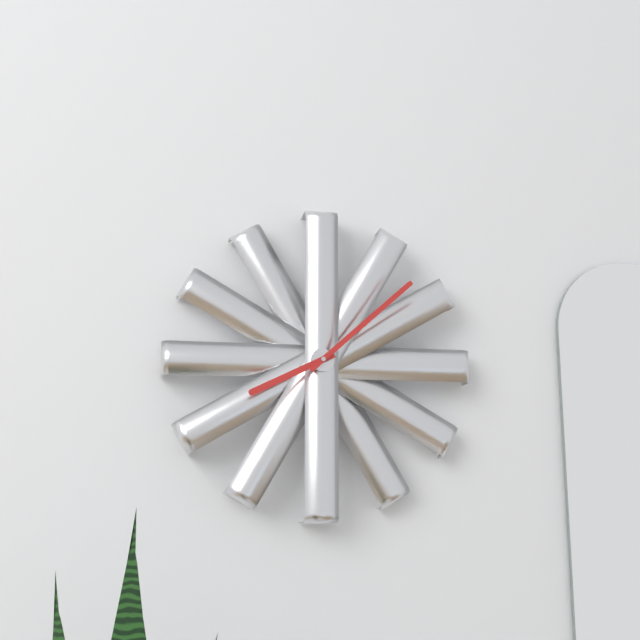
8:08
